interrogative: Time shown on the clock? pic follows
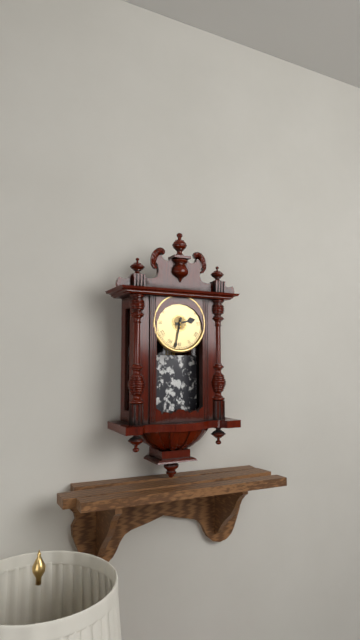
2:32
